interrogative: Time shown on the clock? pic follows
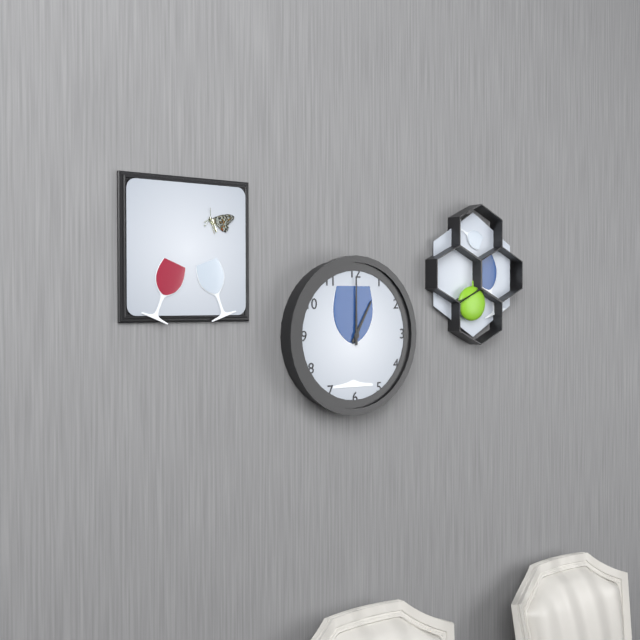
1:00
